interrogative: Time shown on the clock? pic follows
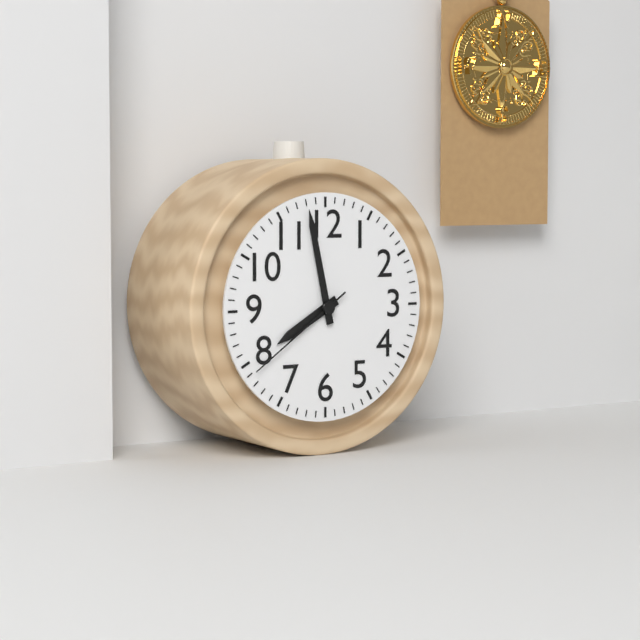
7:58:39
